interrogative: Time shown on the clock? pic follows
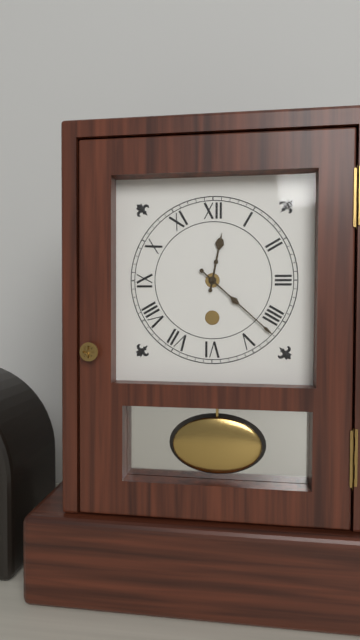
12:22
